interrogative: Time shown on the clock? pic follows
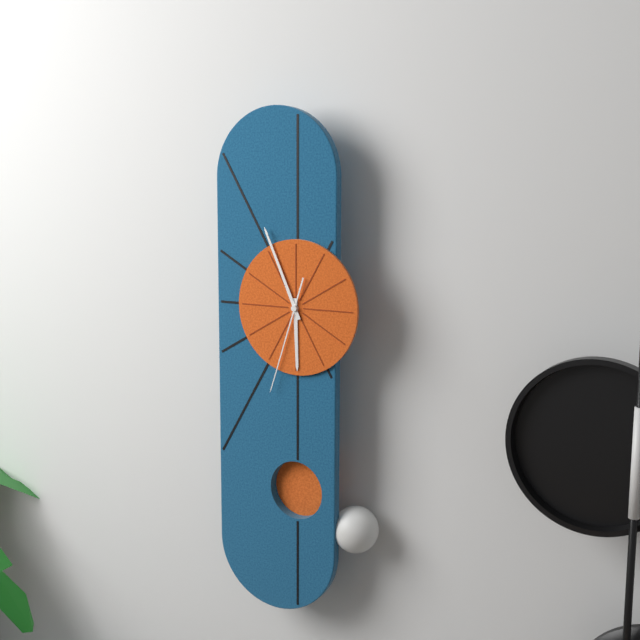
5:56:33
